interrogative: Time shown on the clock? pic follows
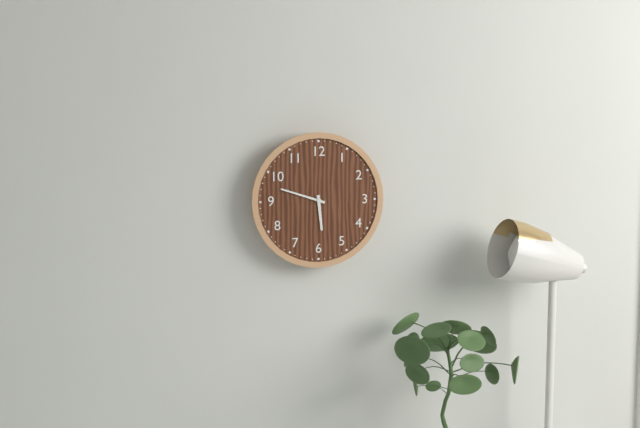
5:48
